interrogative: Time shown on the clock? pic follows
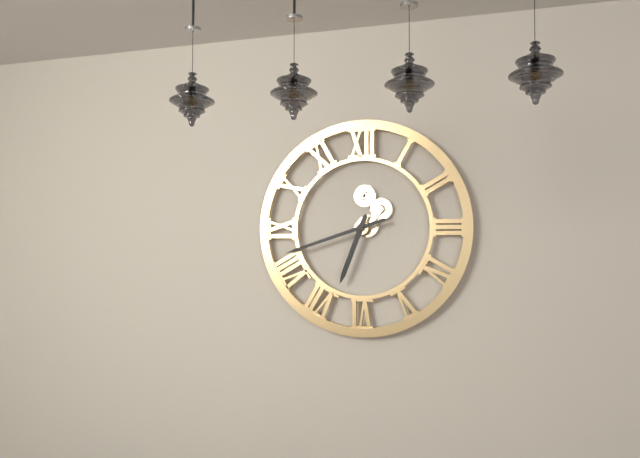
6:42
